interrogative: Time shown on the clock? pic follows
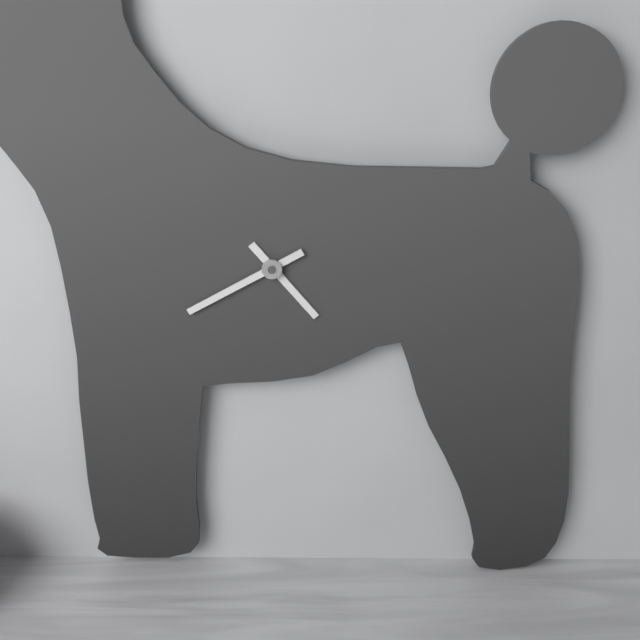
4:40
